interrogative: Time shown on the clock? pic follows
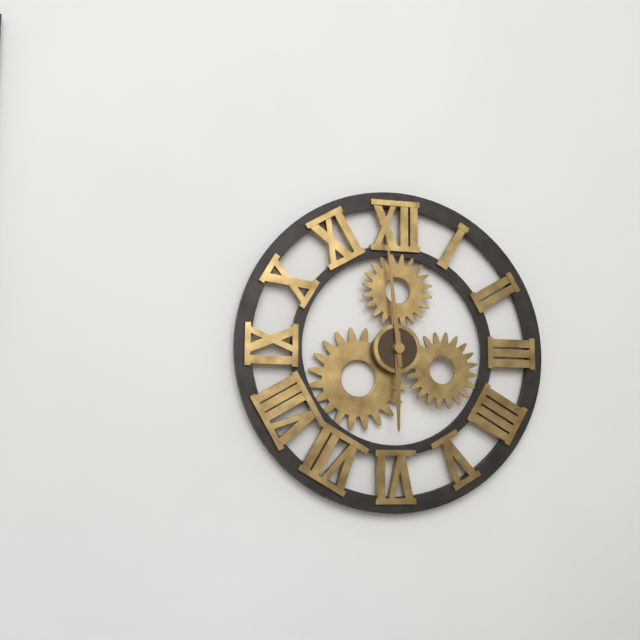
5:59
